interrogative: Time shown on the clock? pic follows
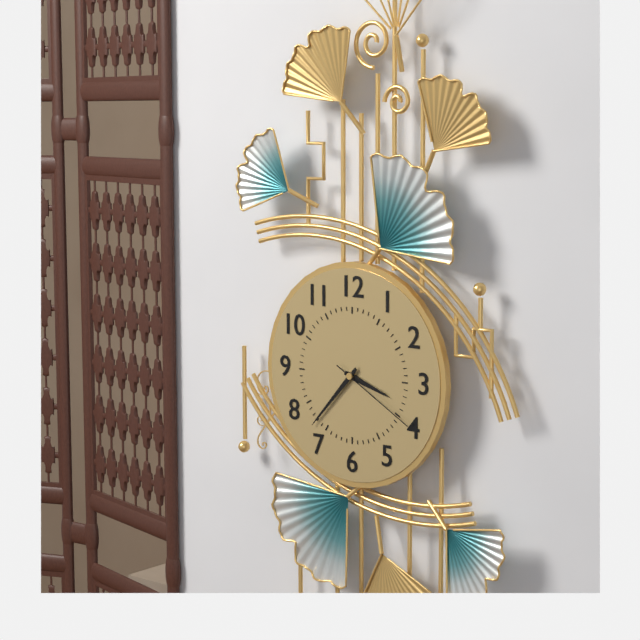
3:37:20
